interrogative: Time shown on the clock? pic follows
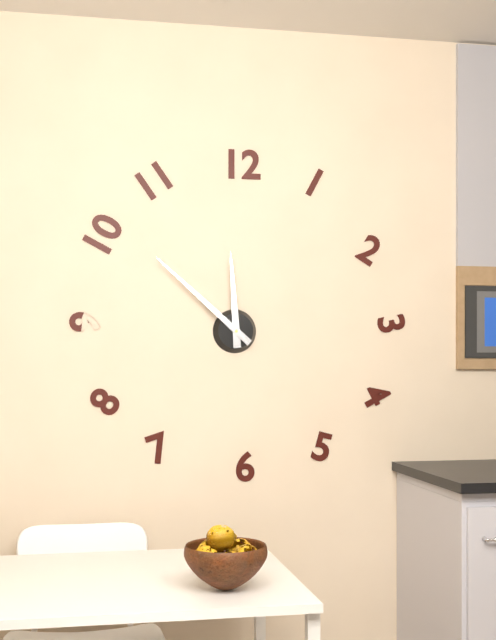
11:52
